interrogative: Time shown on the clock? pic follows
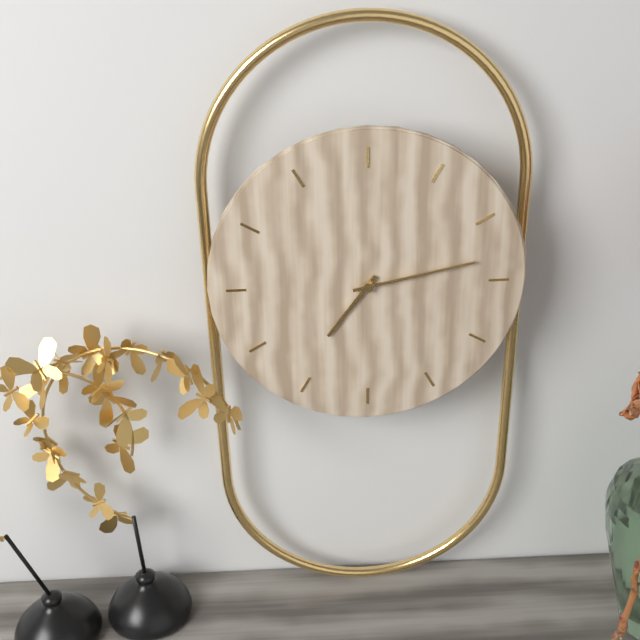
7:13
